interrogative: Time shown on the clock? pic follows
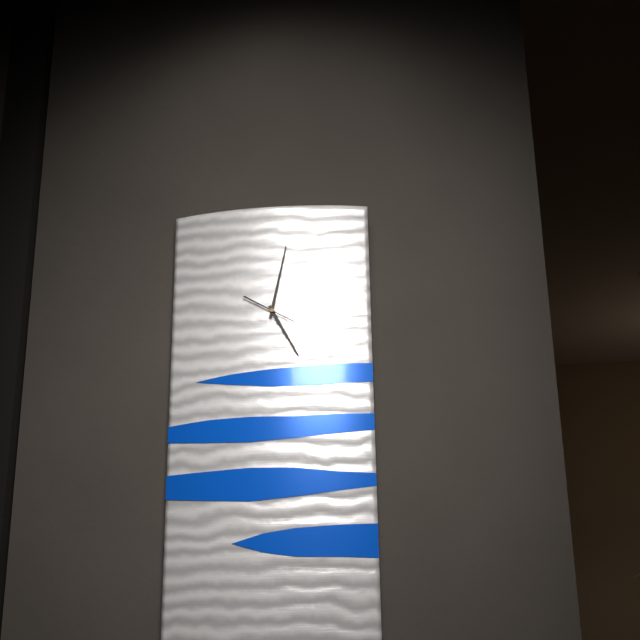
5:02
